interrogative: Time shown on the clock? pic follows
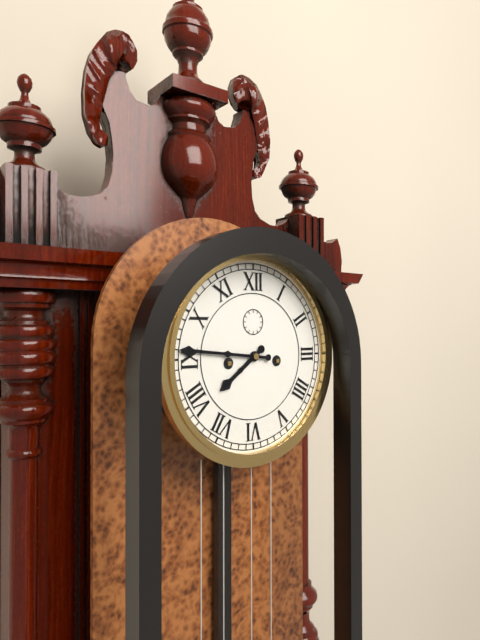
7:46
